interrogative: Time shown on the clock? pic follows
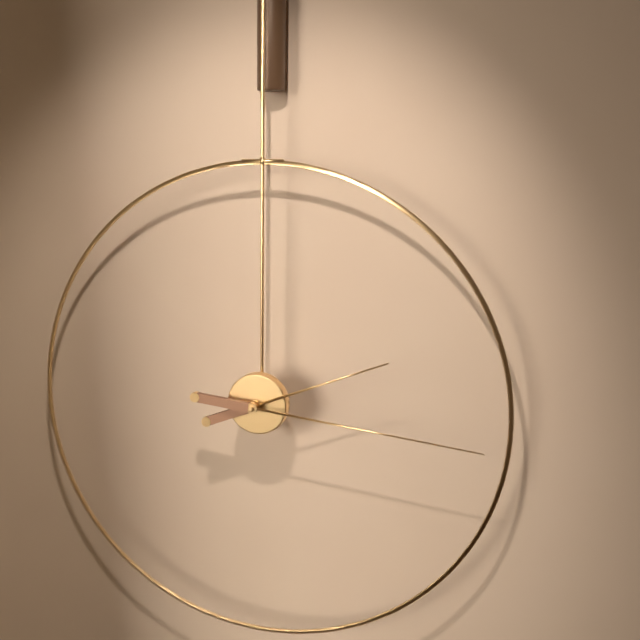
2:16
